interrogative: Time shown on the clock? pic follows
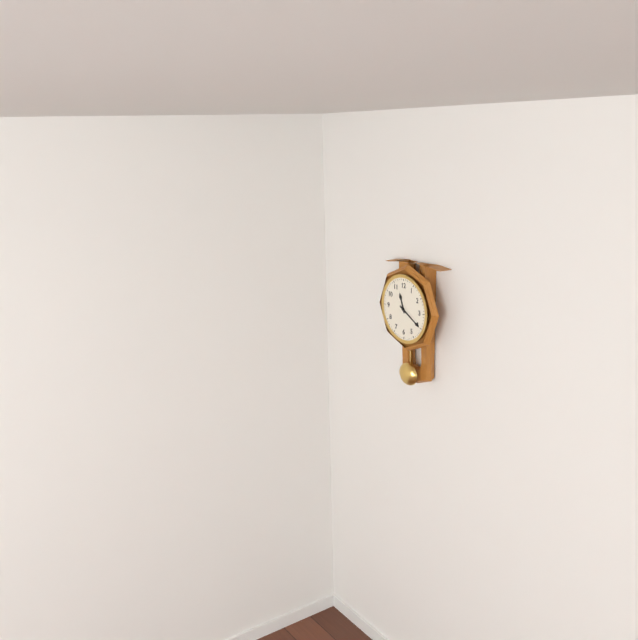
11:20
